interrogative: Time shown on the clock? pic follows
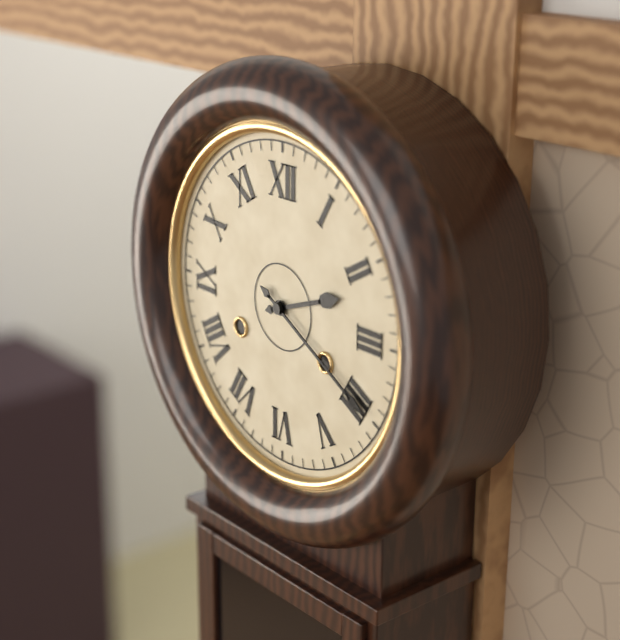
2:20
